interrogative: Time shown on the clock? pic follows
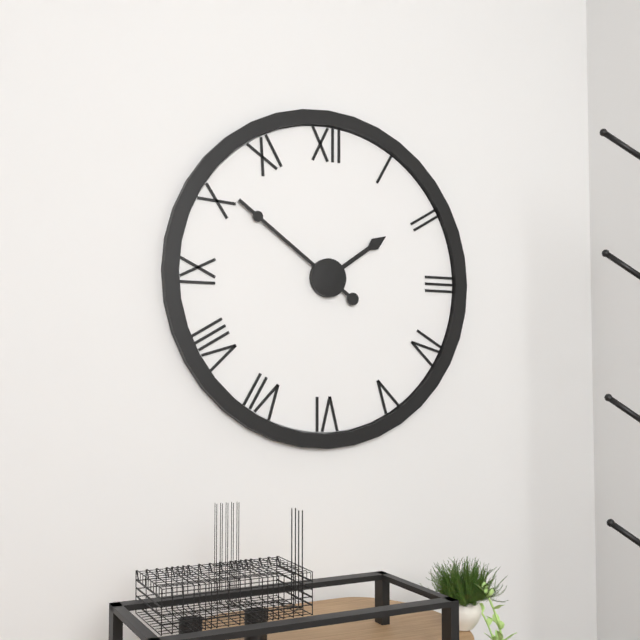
1:51
